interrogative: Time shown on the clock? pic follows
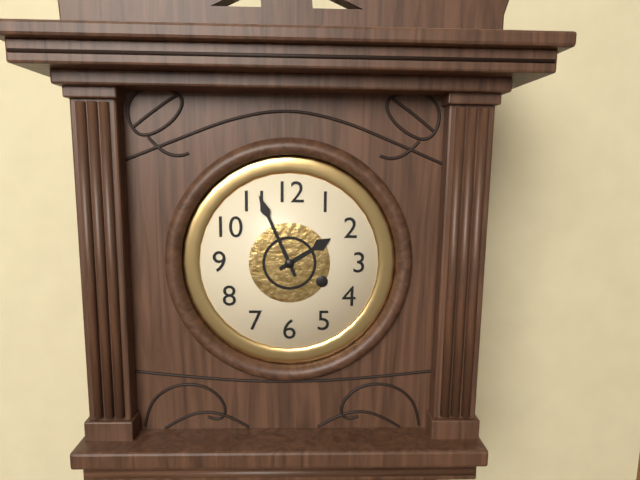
1:56
